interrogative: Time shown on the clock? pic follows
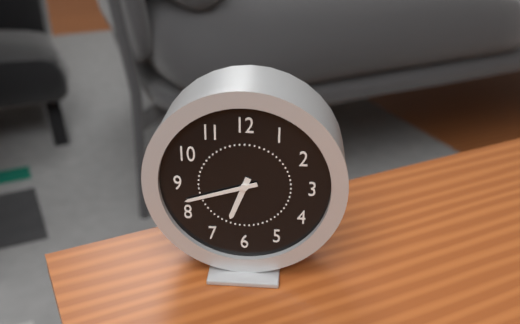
6:42
